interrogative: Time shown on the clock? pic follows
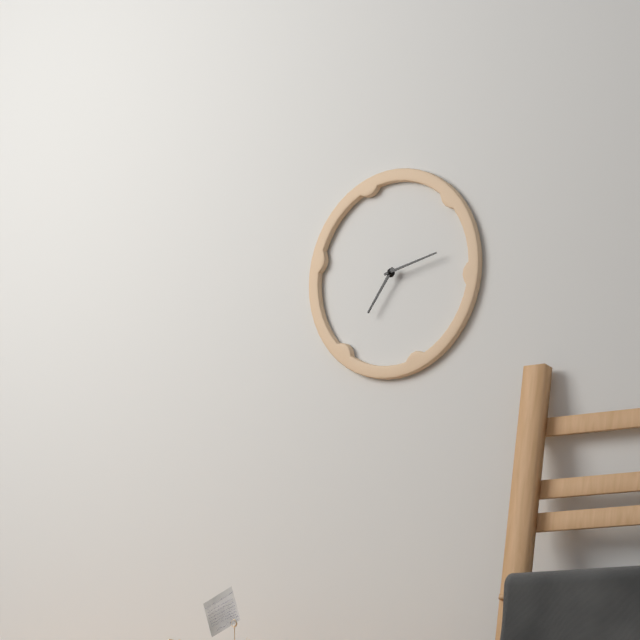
7:13
